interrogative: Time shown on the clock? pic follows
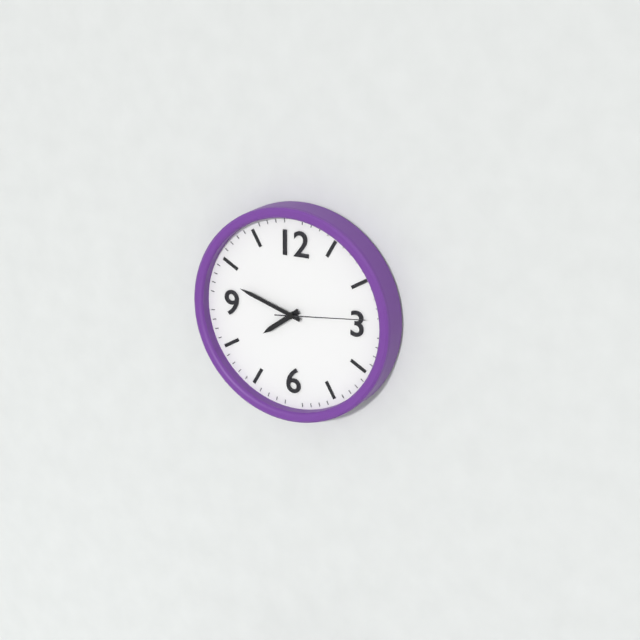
7:48:14
